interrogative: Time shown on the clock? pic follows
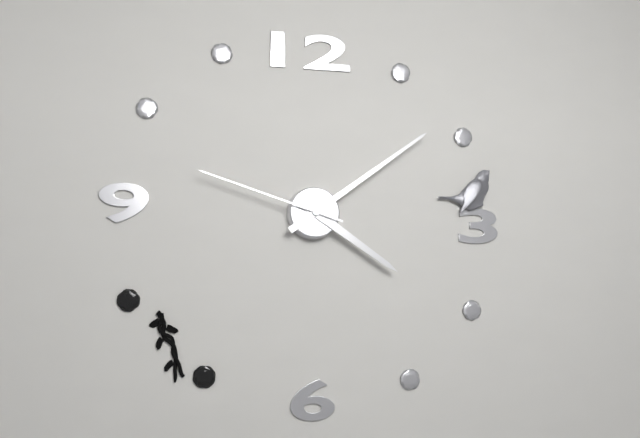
4:09:48
